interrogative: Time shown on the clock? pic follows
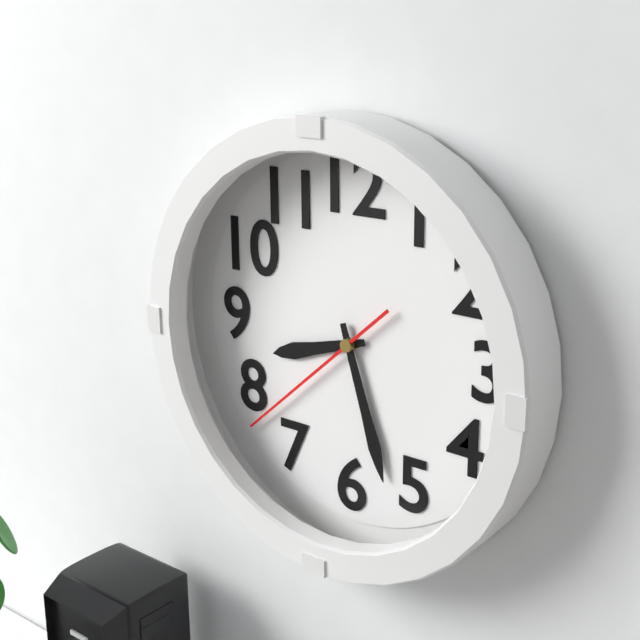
8:27:38
